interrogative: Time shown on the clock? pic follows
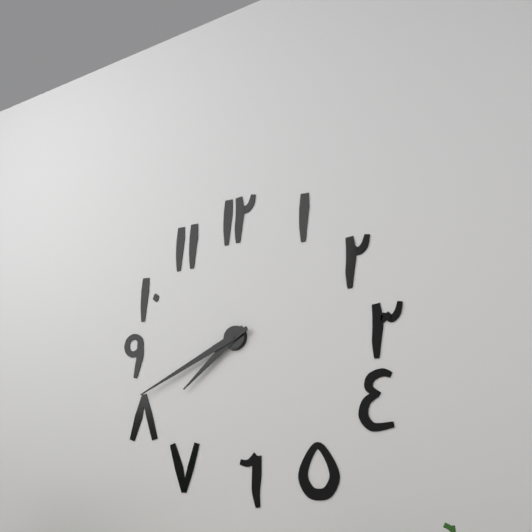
7:41
